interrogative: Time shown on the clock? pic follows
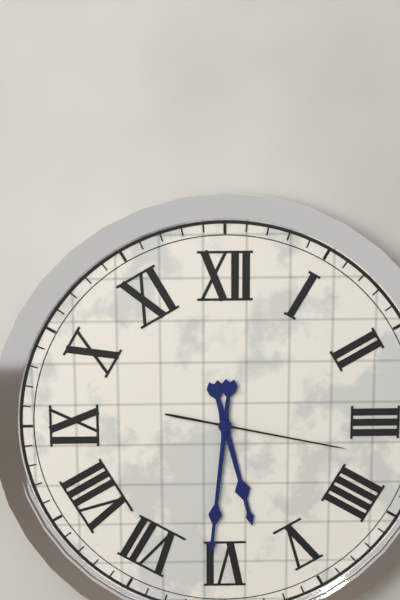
5:31:17
